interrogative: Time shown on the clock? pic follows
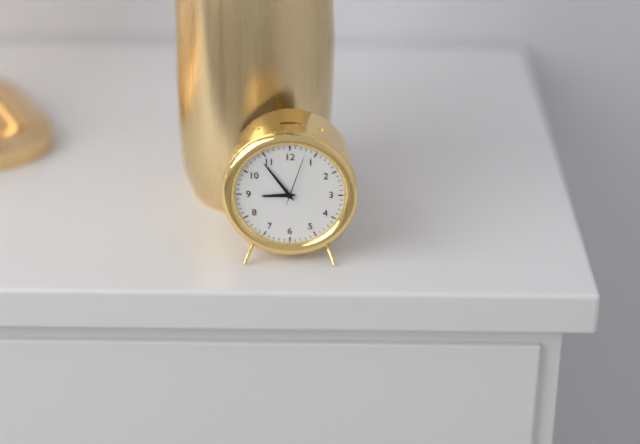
8:54:03
